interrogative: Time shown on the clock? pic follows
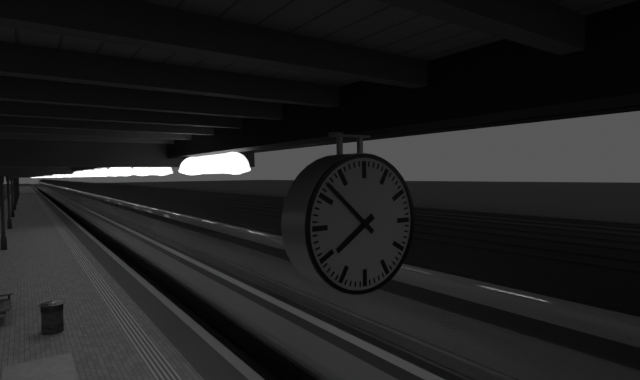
7:52
